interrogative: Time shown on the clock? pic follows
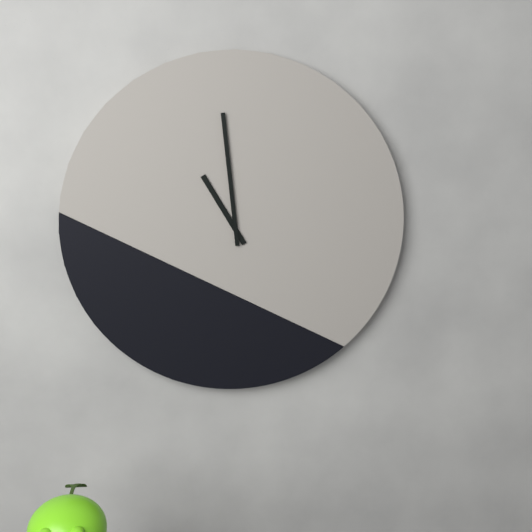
10:59
